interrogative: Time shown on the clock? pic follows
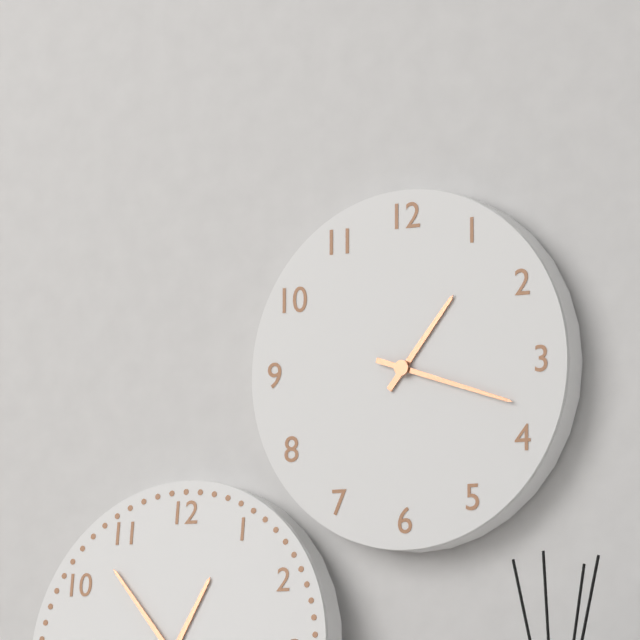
1:18
